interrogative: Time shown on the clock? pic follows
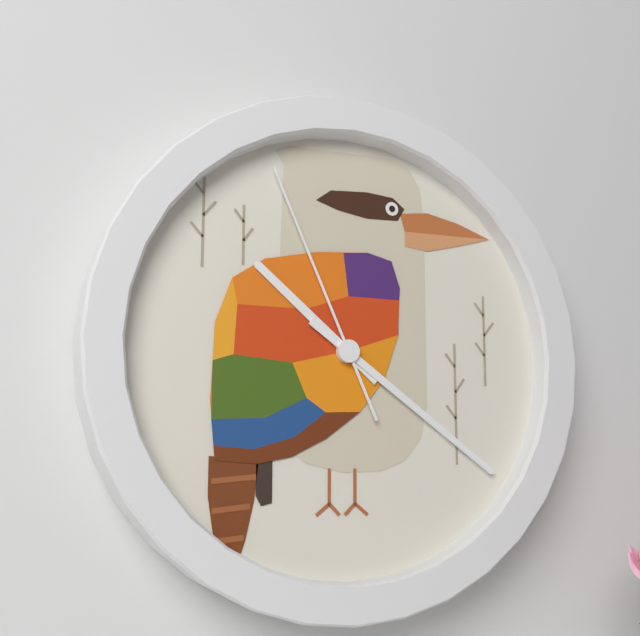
10:21:56
